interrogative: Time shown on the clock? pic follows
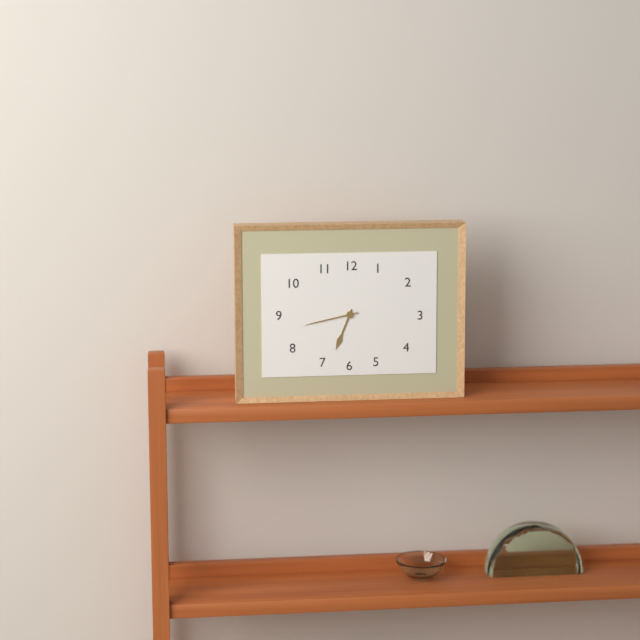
6:43
